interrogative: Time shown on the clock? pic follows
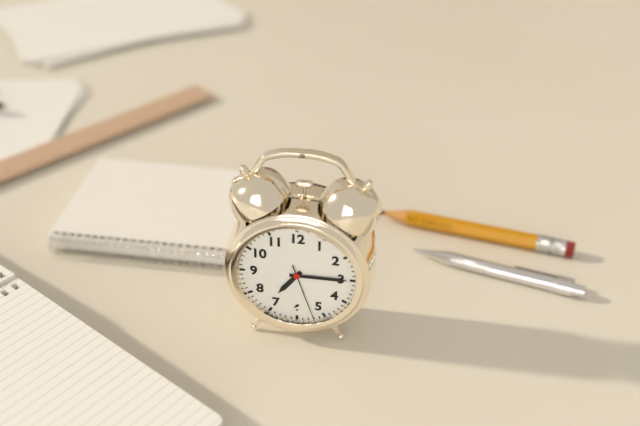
7:15:27
